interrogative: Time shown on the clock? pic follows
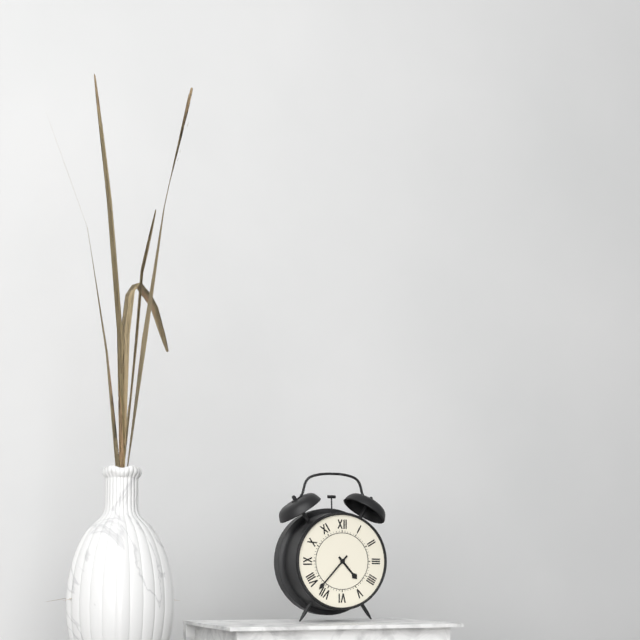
4:37
